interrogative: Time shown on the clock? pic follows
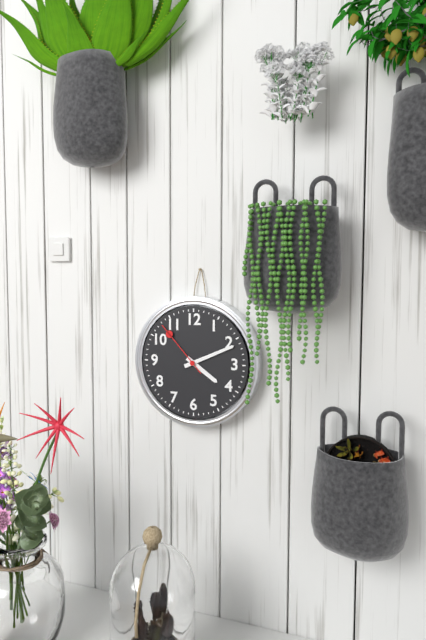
4:11:53
